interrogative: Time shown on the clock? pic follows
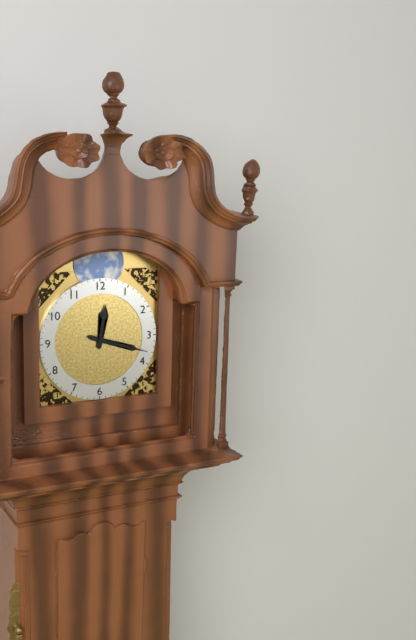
12:18
